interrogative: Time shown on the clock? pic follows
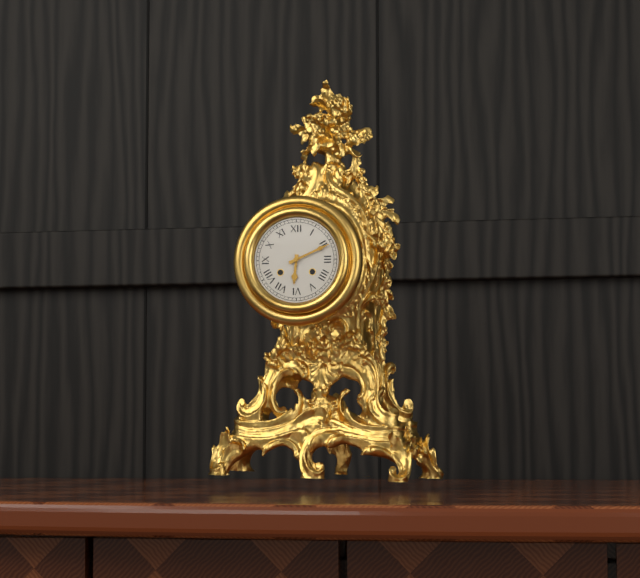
6:11
